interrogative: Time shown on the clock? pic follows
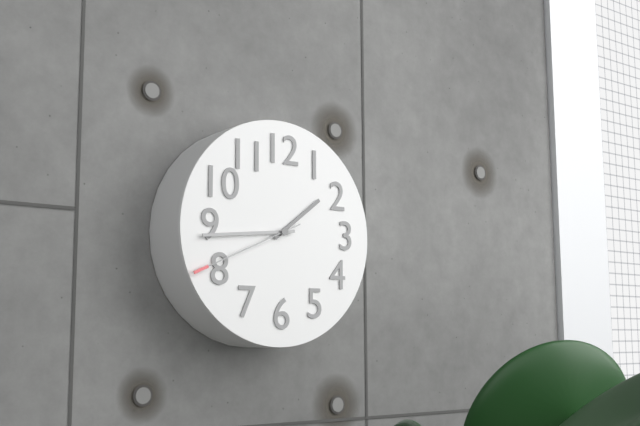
1:44:41
